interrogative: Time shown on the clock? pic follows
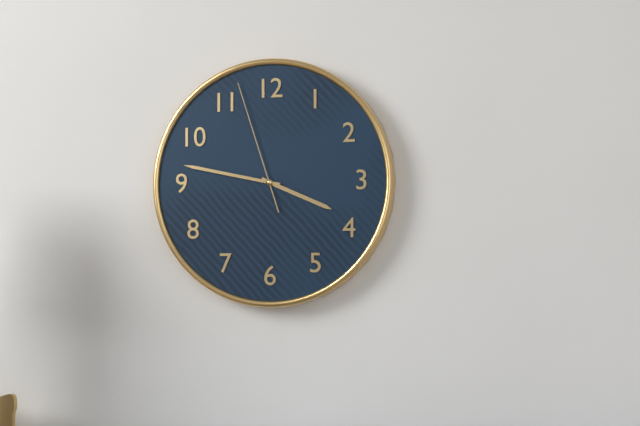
3:47:57
